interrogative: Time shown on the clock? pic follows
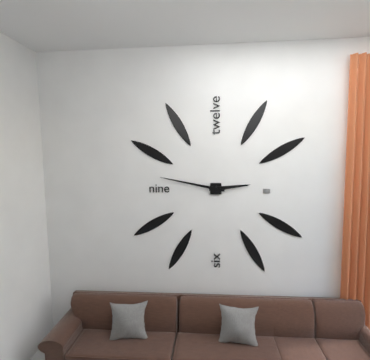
2:47
